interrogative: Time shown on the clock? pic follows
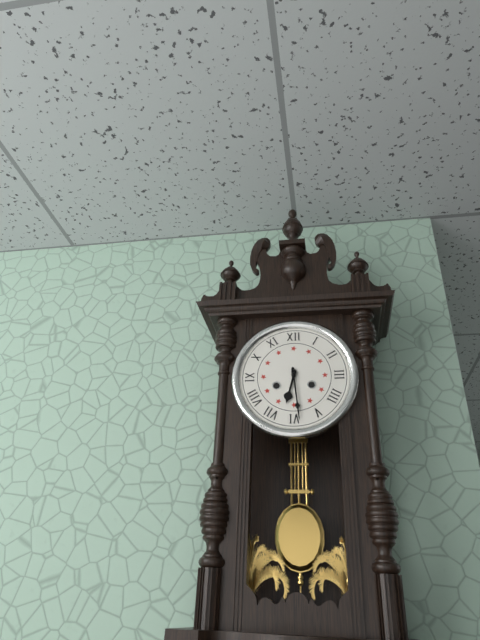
6:29
